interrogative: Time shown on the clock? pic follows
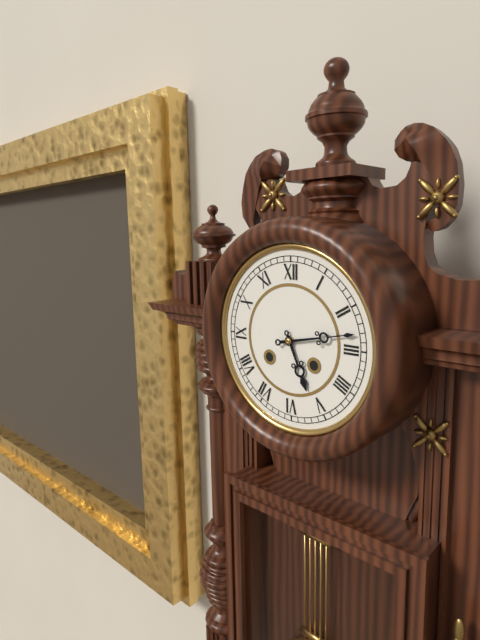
5:13
